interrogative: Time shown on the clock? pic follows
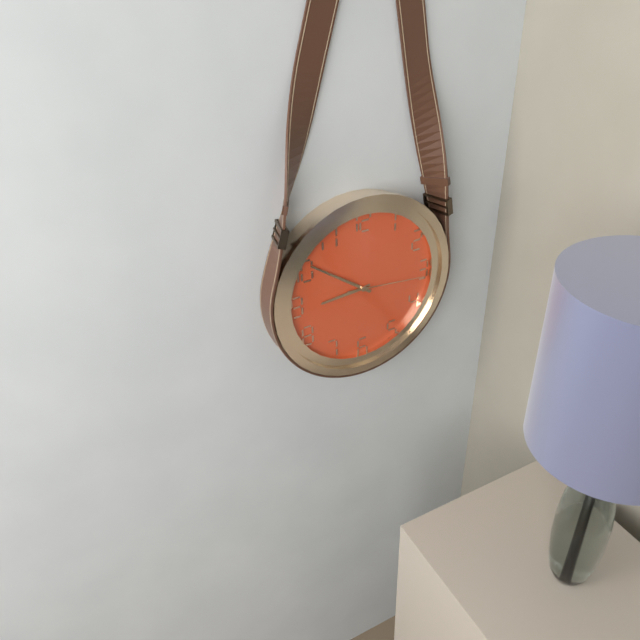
8:51:16
